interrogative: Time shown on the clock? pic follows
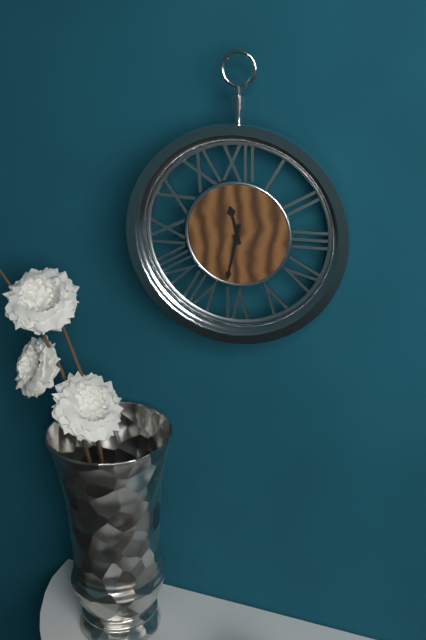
11:32
